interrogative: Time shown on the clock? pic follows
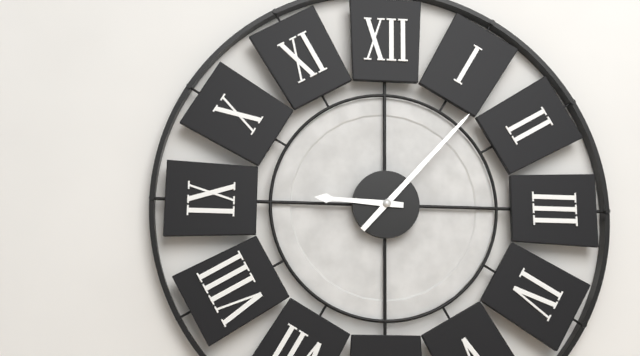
9:07
